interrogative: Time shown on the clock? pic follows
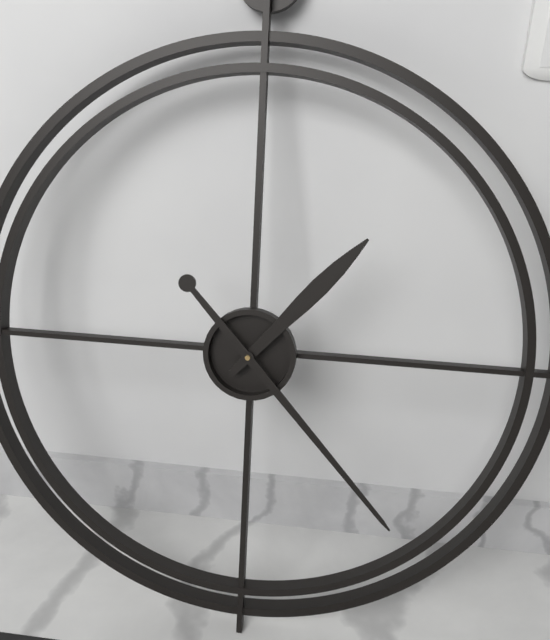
1:23
